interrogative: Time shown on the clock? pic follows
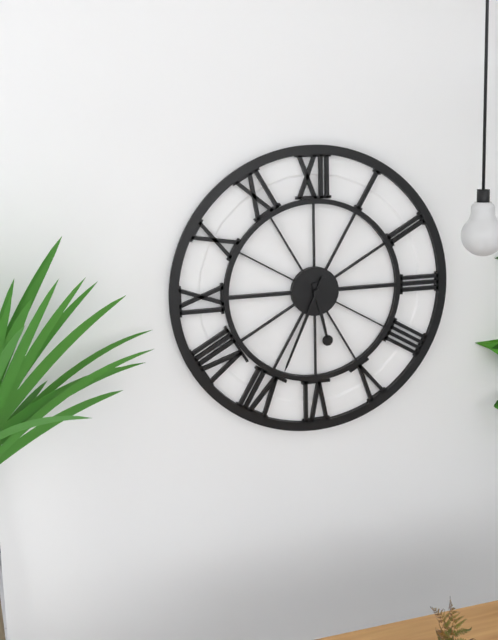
5:34
